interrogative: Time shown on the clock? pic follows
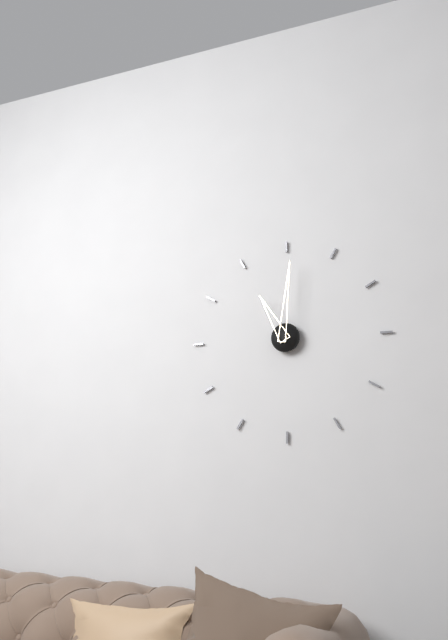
11:01
